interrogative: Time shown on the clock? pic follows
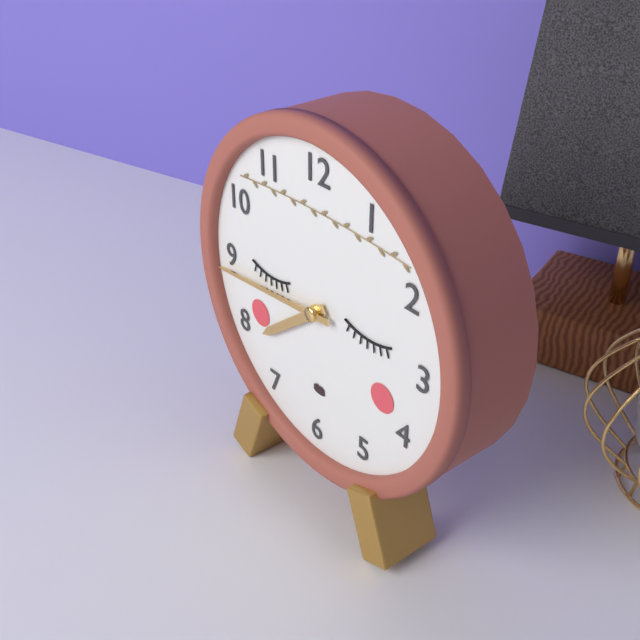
7:44
